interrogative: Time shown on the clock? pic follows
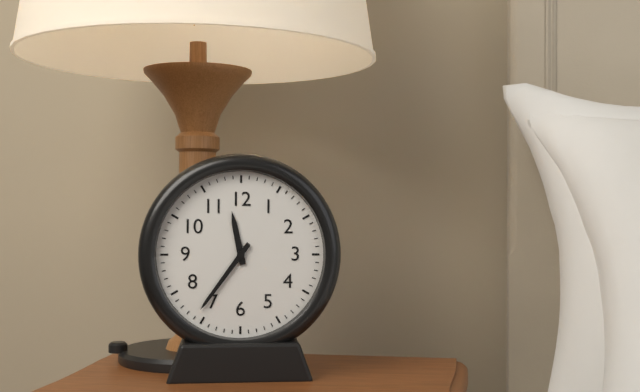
11:36
